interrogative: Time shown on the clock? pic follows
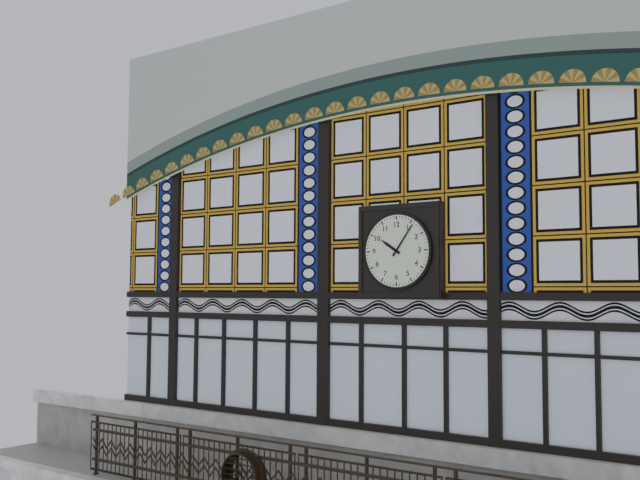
10:06
